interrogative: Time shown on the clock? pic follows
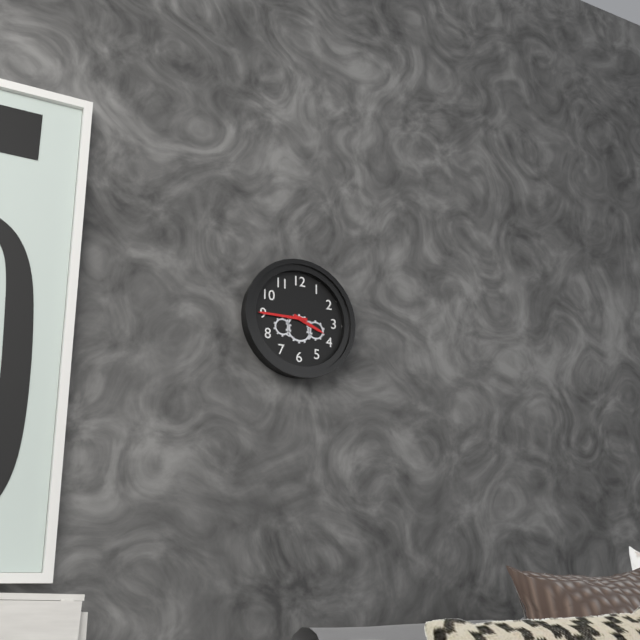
3:45
